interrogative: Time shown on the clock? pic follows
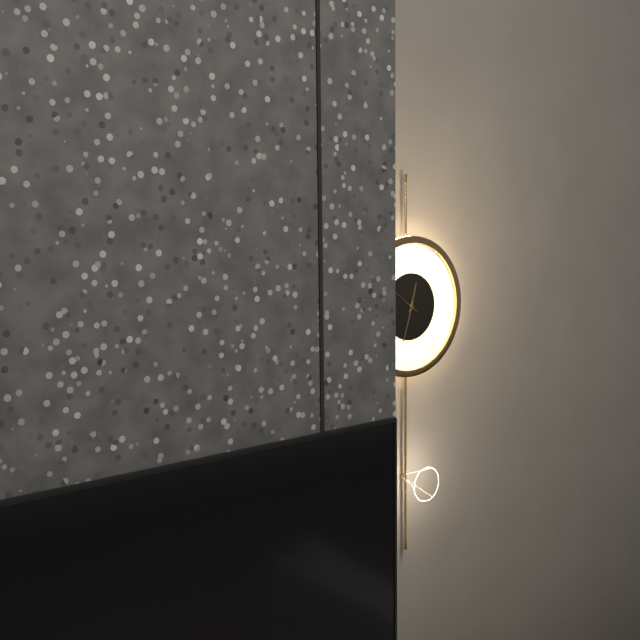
12:33
